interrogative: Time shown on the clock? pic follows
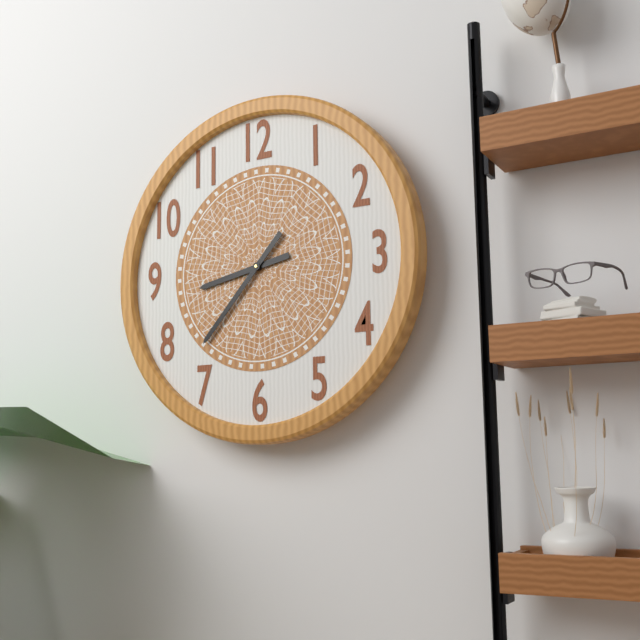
8:37
